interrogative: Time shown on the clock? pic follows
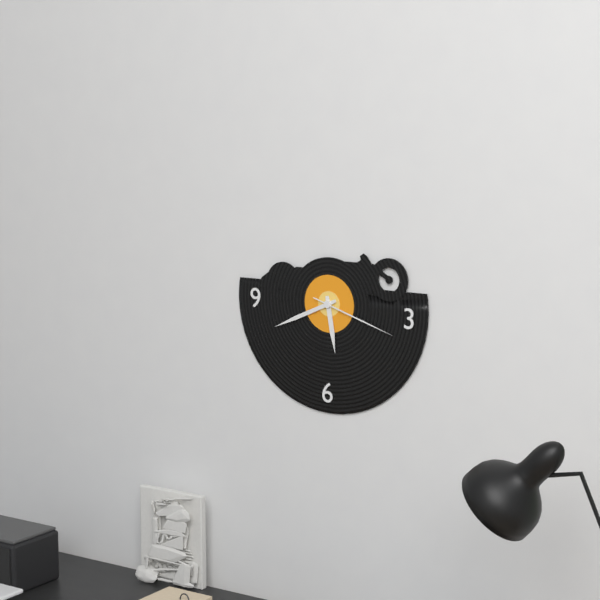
5:41:18
